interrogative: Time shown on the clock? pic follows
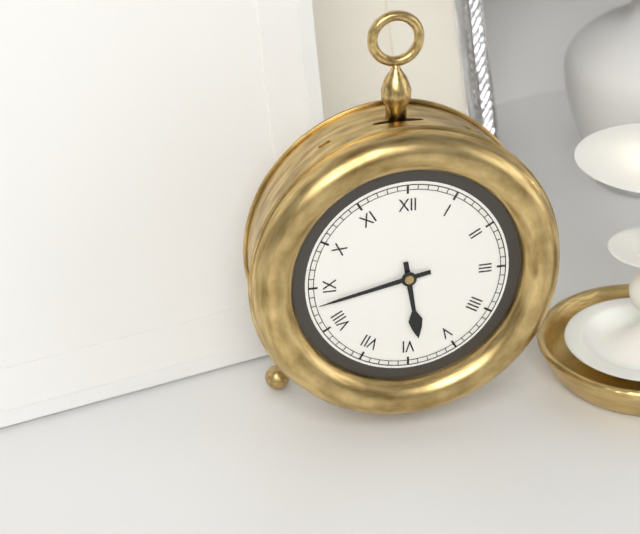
5:43
